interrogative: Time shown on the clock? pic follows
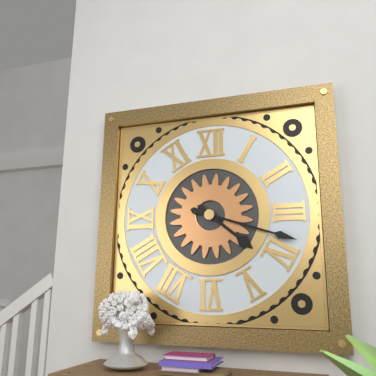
4:18
